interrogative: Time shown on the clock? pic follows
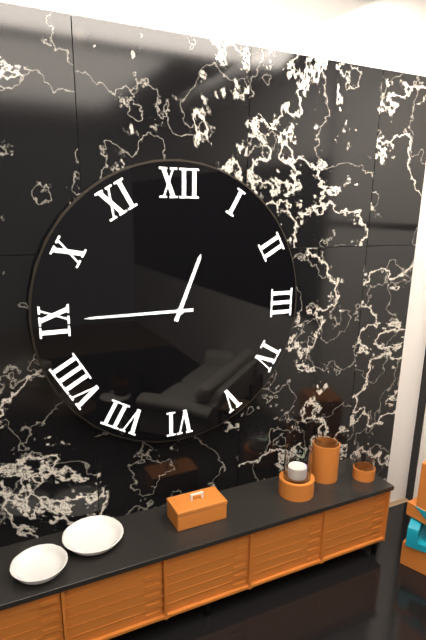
12:45
